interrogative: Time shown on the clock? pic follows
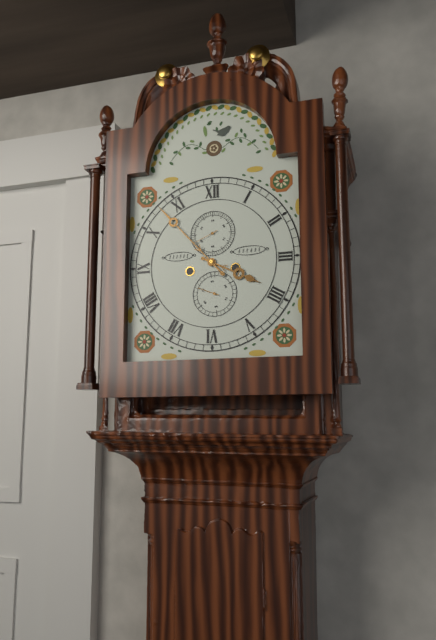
3:53
